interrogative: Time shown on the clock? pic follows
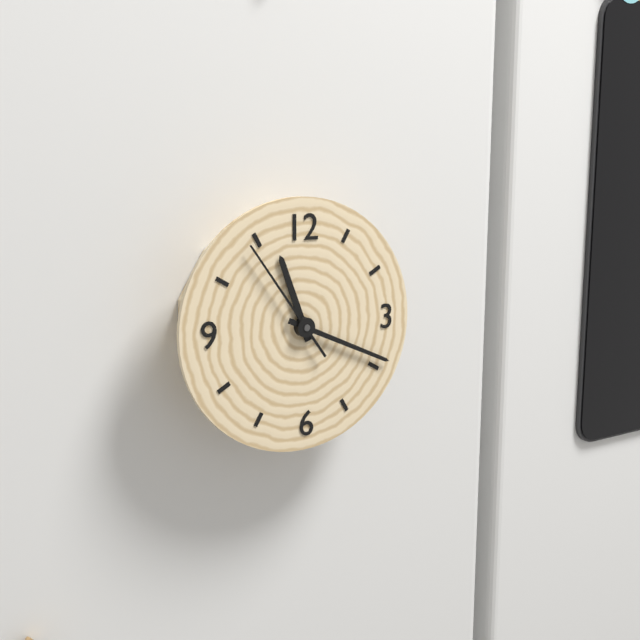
11:19:54
